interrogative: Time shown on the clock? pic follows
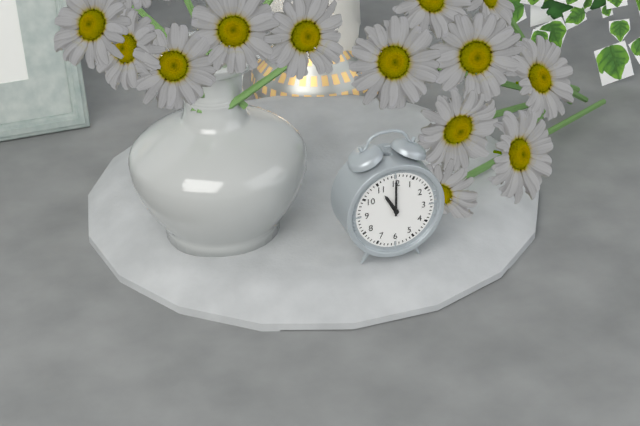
11:00
